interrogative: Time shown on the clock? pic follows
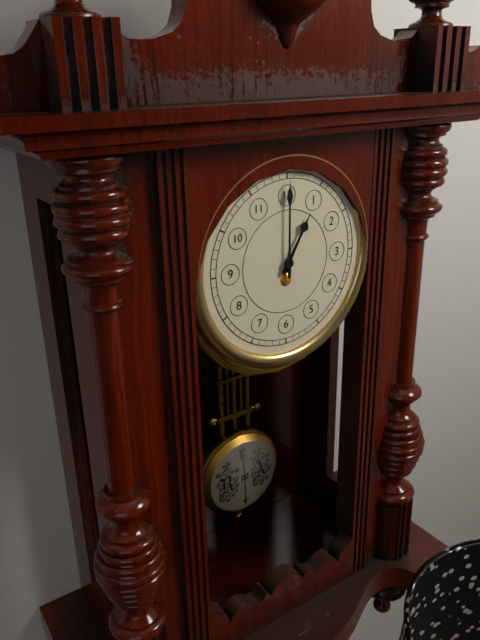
1:00
